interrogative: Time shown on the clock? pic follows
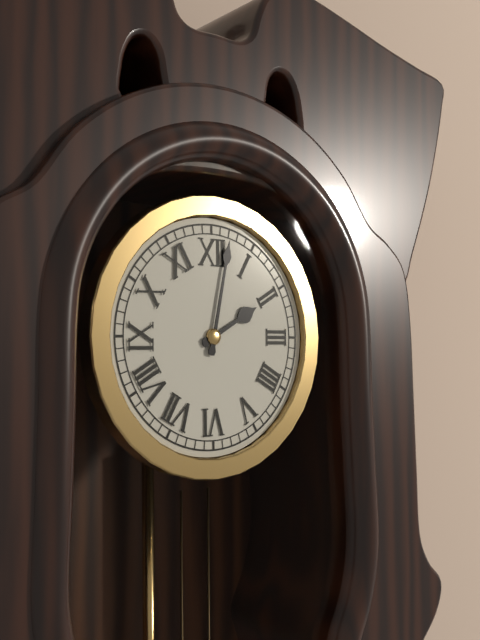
2:02
